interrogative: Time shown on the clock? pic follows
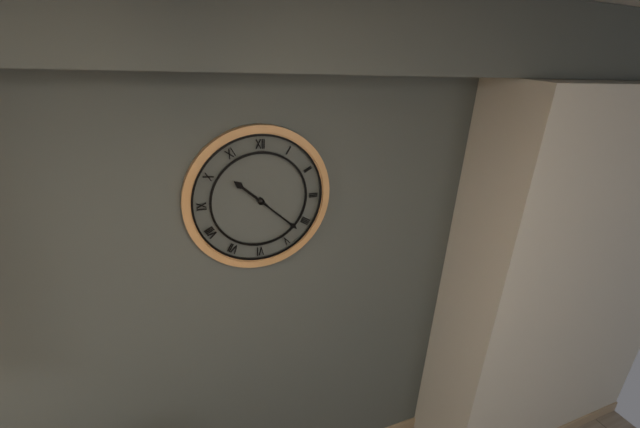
10:22
